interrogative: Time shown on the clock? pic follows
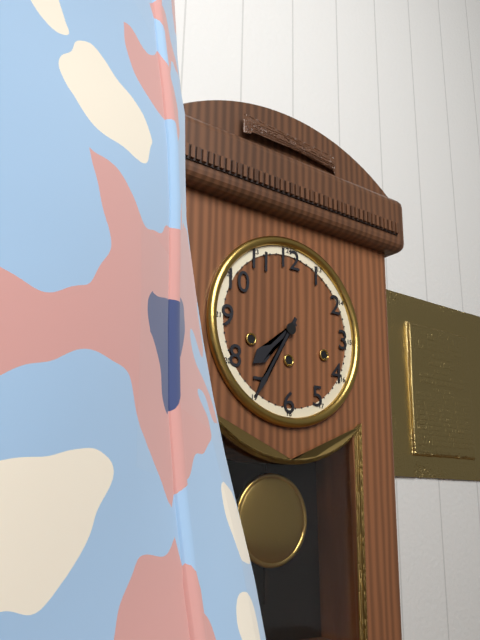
7:35
